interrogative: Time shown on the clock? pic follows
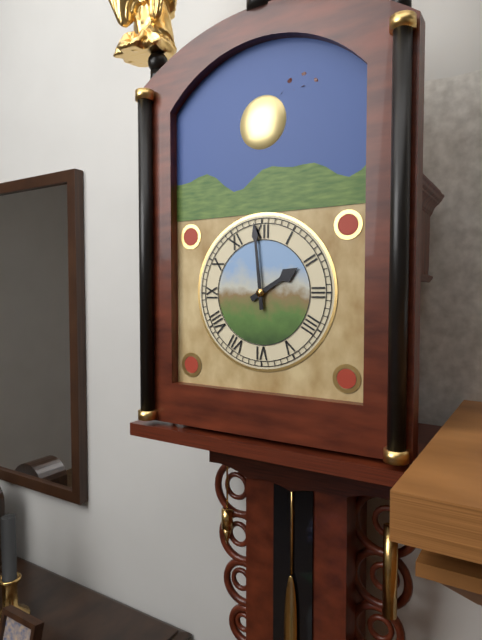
1:59
